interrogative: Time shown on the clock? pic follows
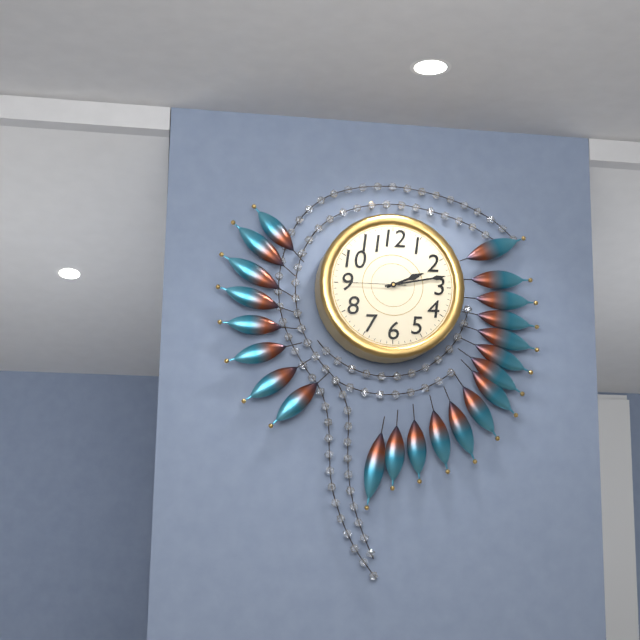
2:13:45
